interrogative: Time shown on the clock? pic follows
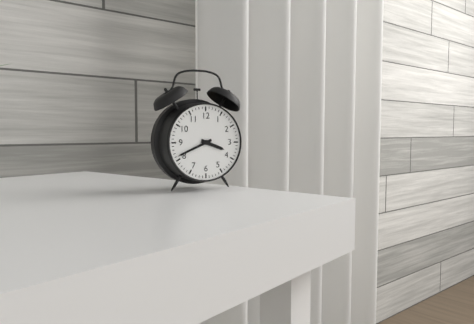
3:41
